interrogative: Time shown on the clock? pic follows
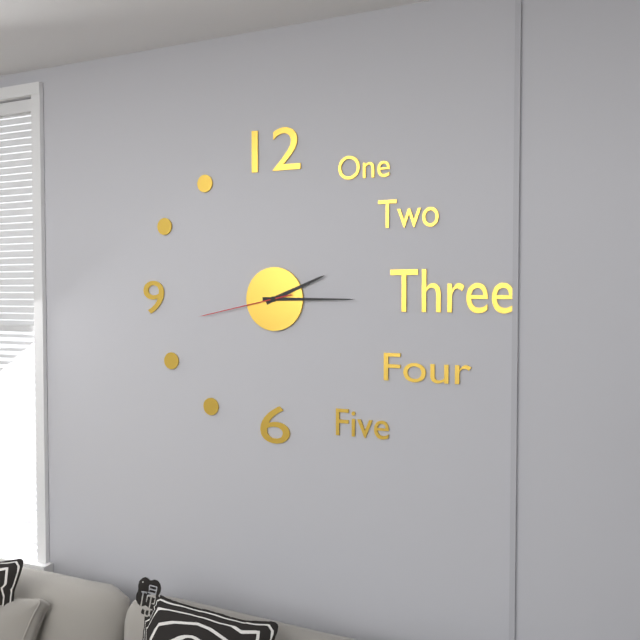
2:15:43
